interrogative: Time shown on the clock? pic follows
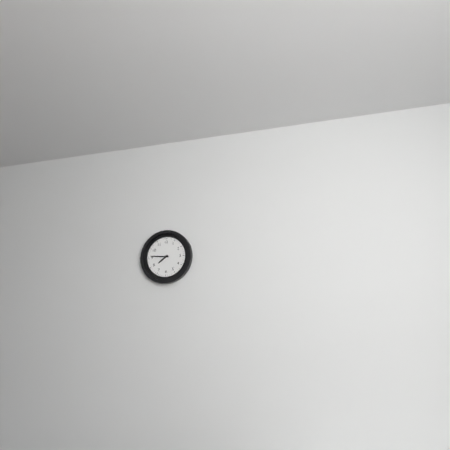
7:46
